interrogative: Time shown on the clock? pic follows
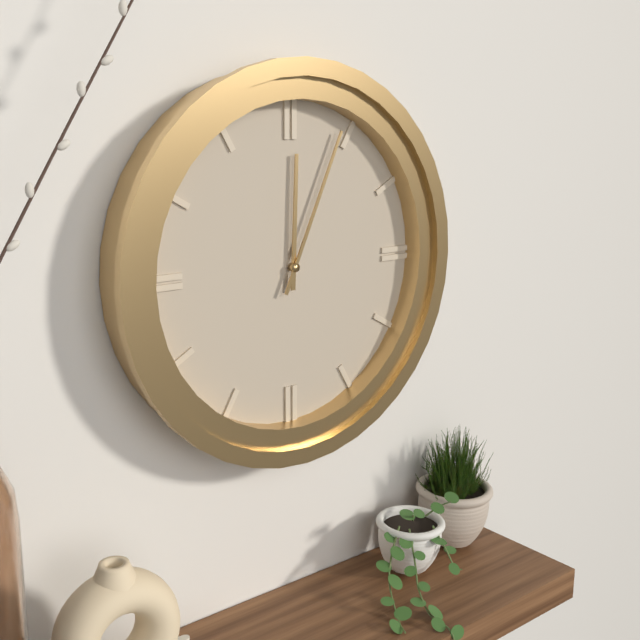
12:04
